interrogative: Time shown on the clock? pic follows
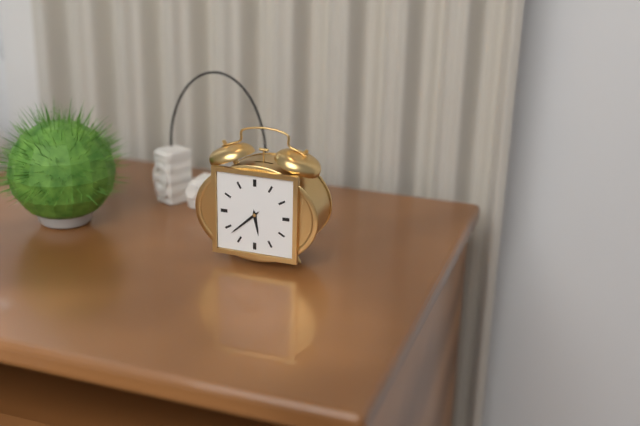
5:38
